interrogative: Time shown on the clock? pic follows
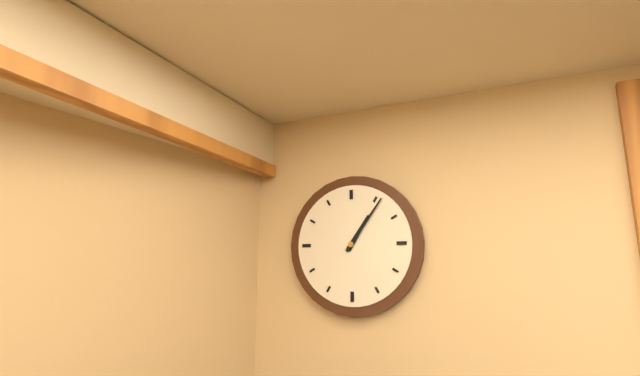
1:06
